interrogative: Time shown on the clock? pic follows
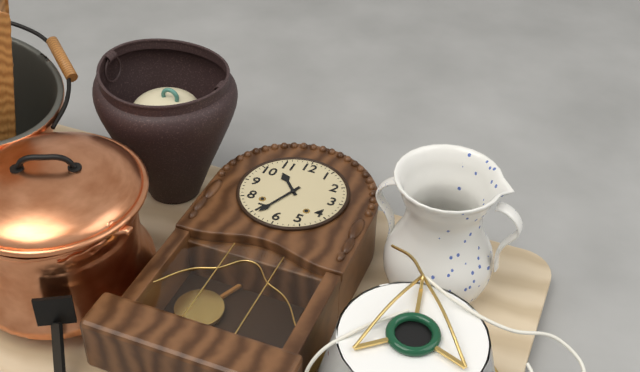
10:34
